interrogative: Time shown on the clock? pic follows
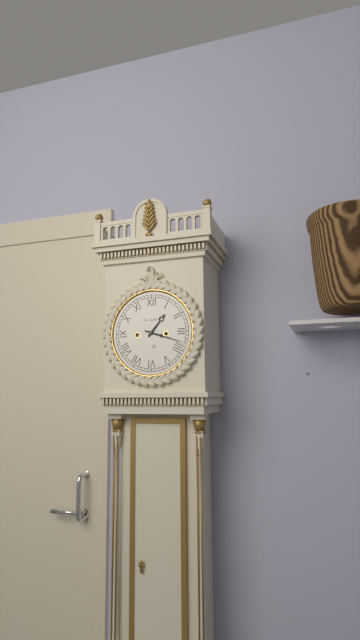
1:18
